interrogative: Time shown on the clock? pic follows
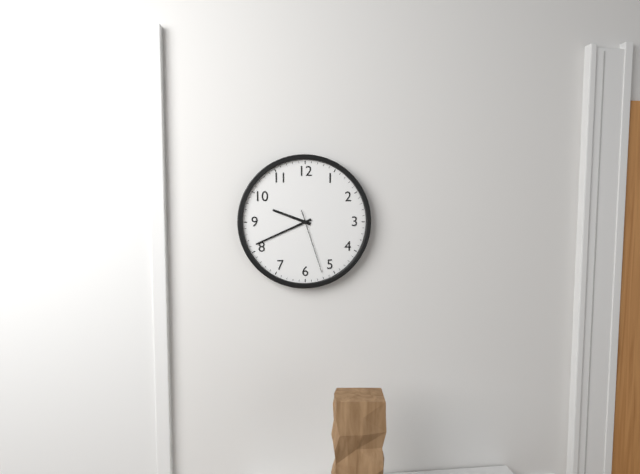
9:41:27
